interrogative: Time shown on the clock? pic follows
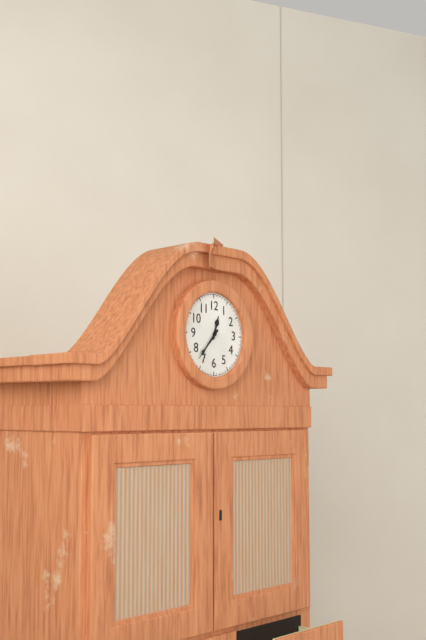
12:37
